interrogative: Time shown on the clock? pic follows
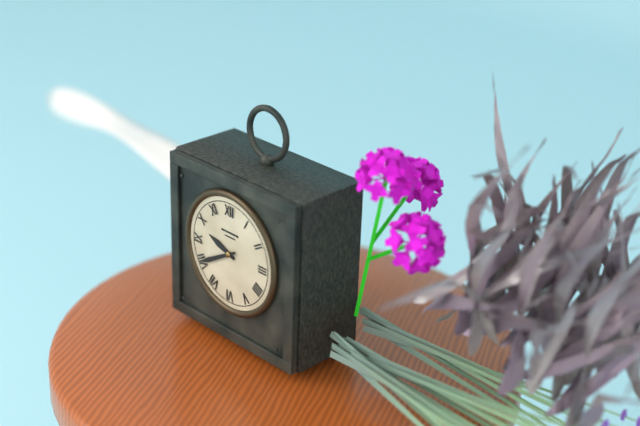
9:40
